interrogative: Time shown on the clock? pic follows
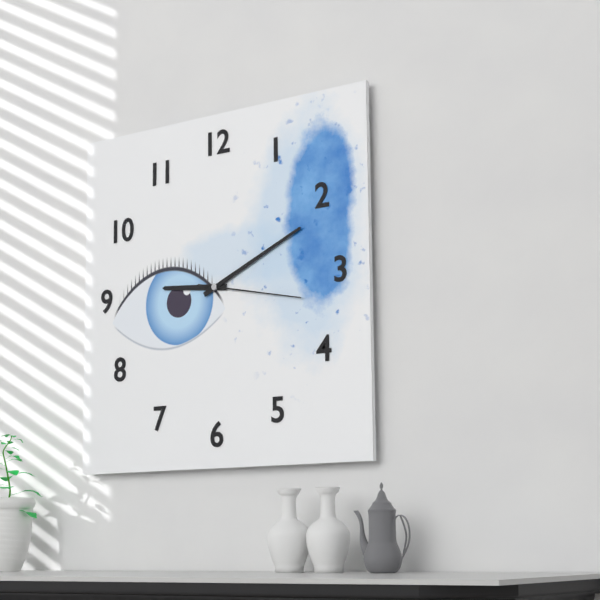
9:11:17
